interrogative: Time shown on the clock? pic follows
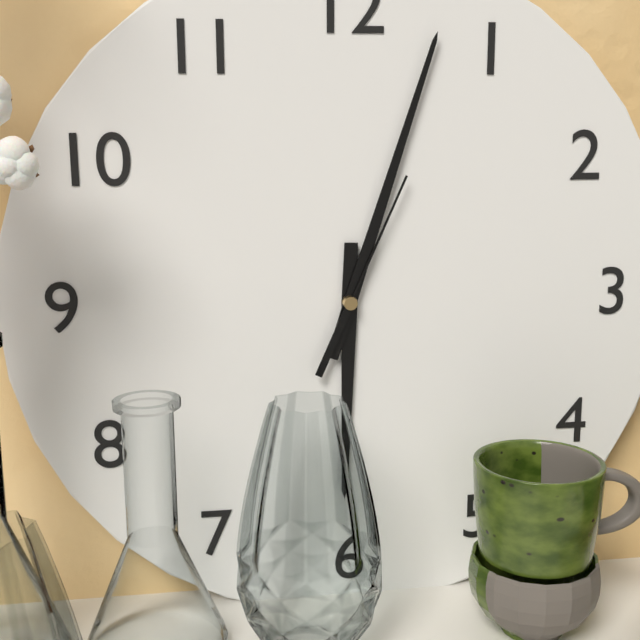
6:03:04
